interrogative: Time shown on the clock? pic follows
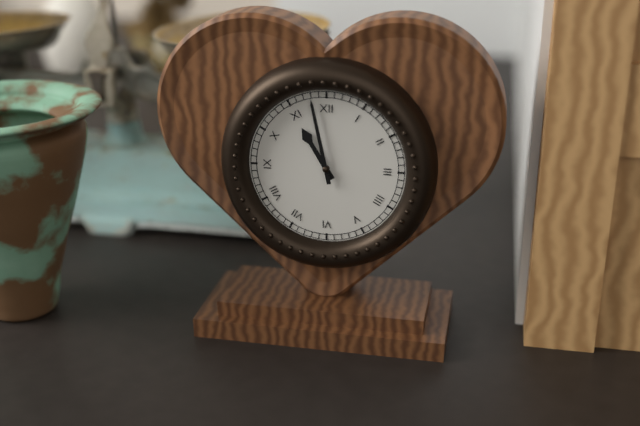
10:58
